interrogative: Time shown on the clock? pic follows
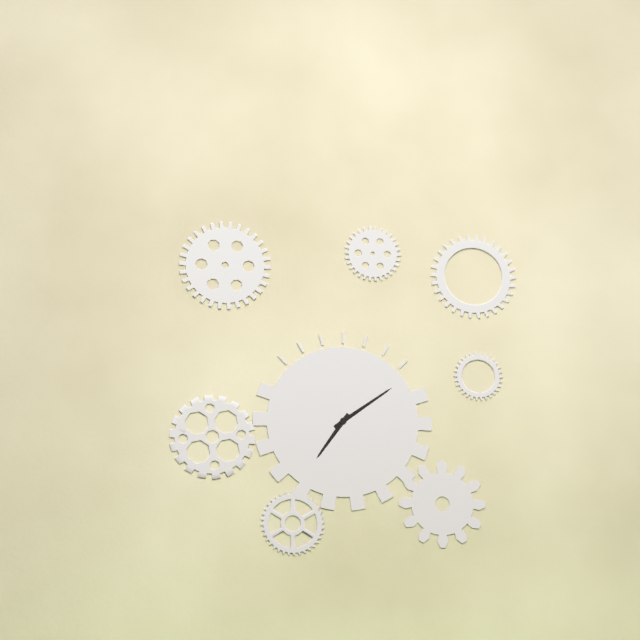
7:09
